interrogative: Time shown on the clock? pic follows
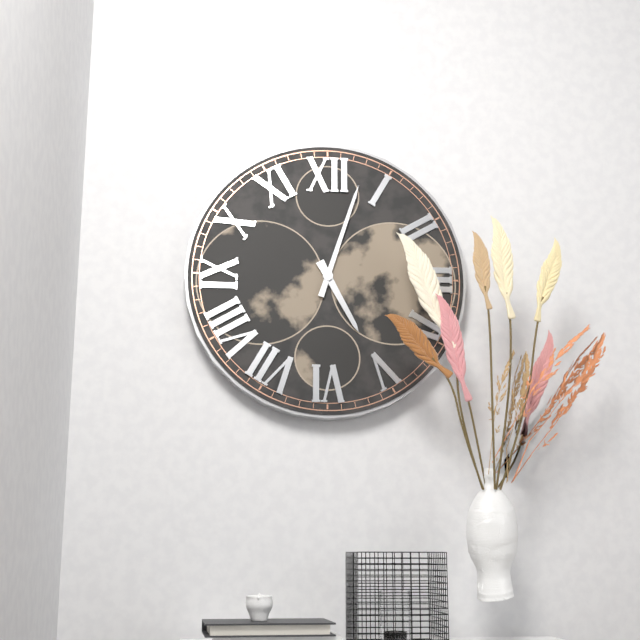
5:03
